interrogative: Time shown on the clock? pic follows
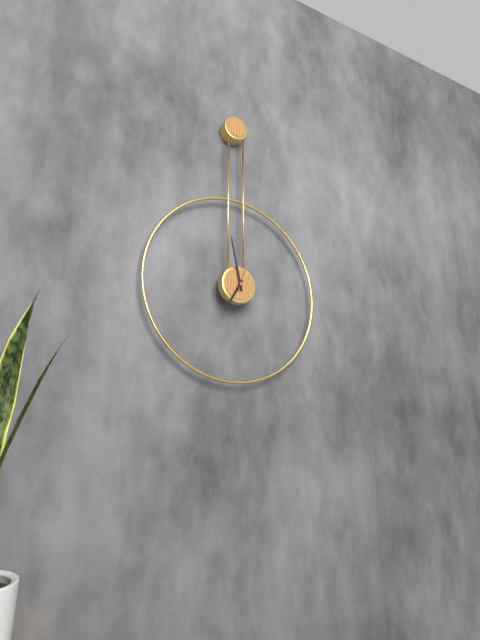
6:58
